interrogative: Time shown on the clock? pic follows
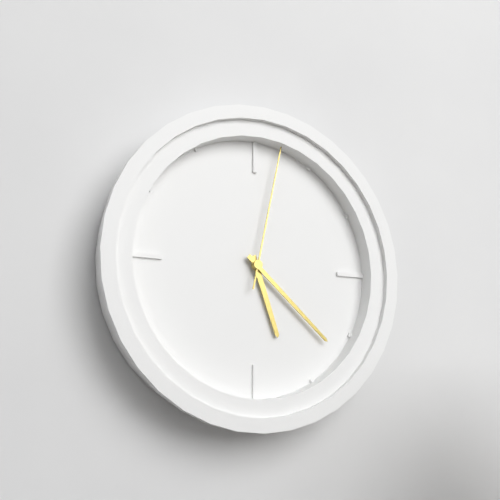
5:22:02
